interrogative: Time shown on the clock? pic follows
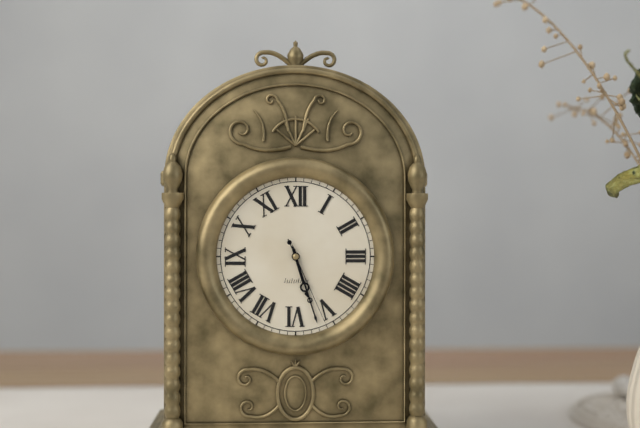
5:27:26
